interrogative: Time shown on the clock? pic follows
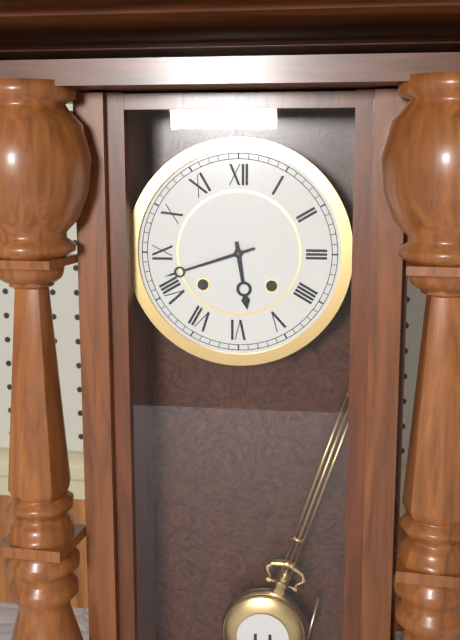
5:42
